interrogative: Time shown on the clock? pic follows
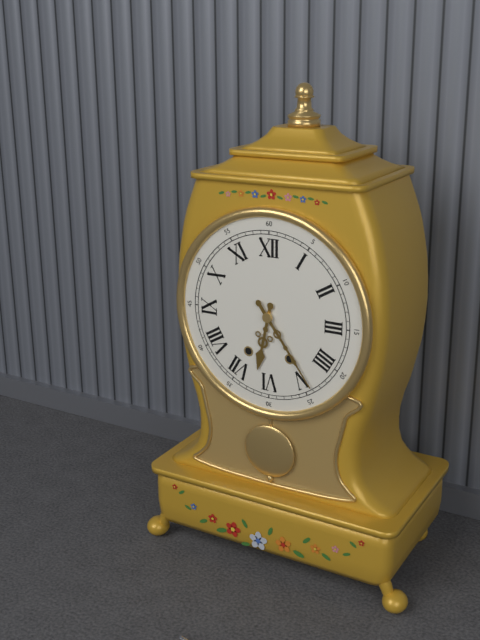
6:24
